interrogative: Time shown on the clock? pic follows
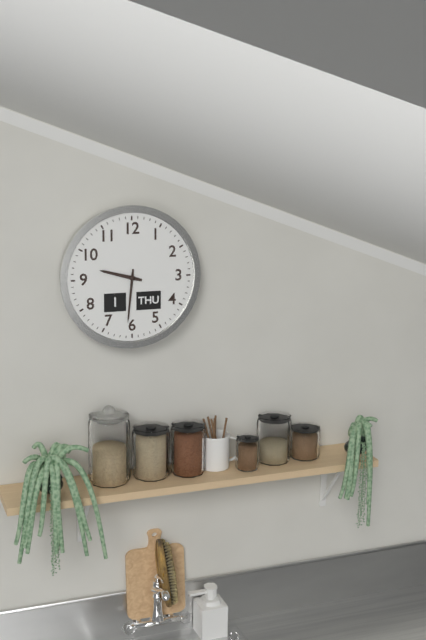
9:31
